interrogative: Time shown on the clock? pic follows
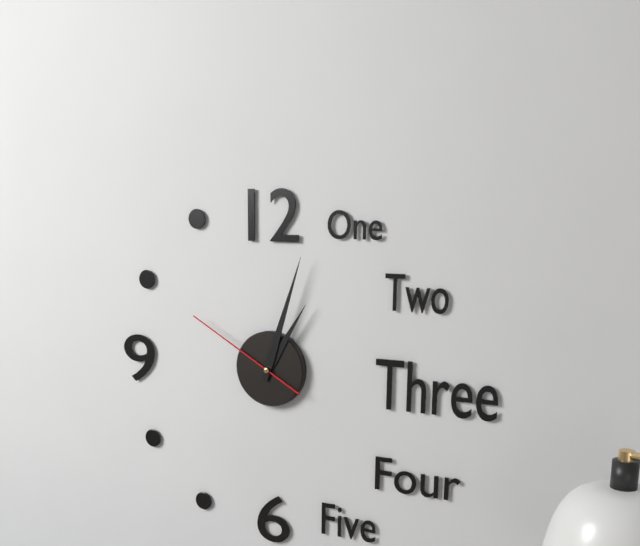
1:03:50
